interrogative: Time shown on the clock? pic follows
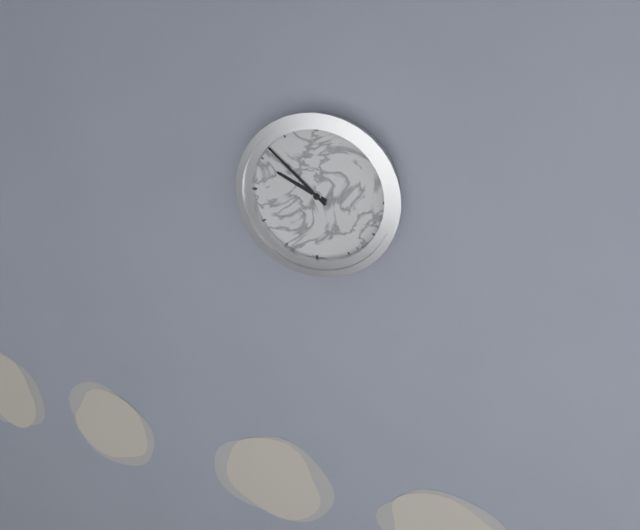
9:52
